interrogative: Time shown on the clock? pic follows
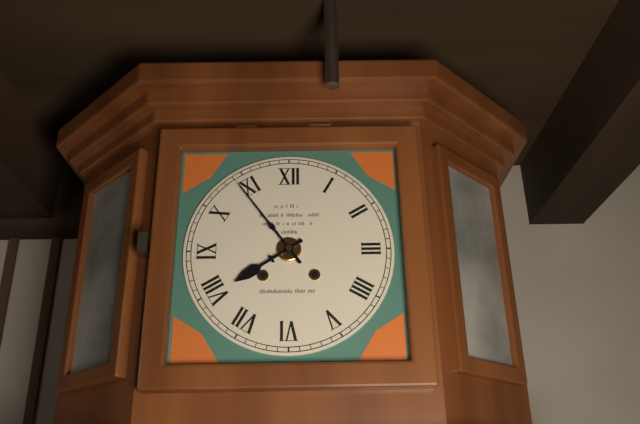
7:54
